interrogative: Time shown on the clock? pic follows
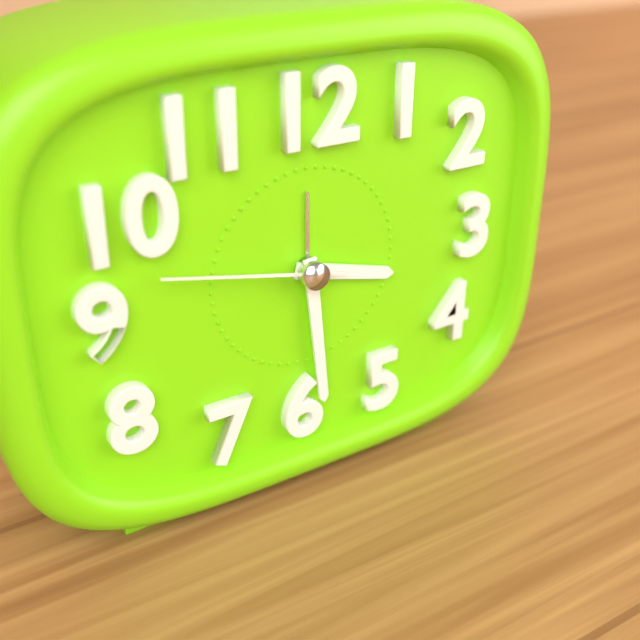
3:29:47
